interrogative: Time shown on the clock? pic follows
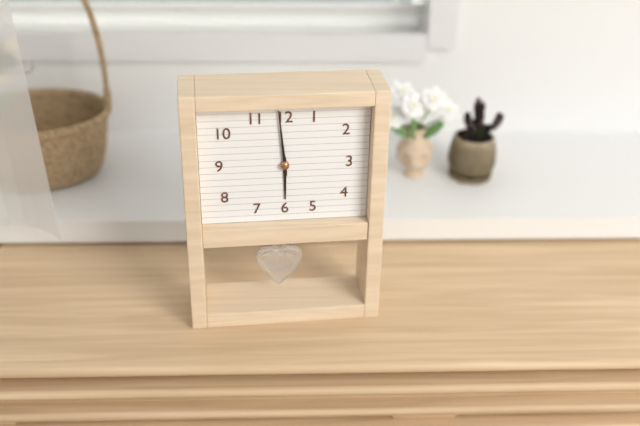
5:59
